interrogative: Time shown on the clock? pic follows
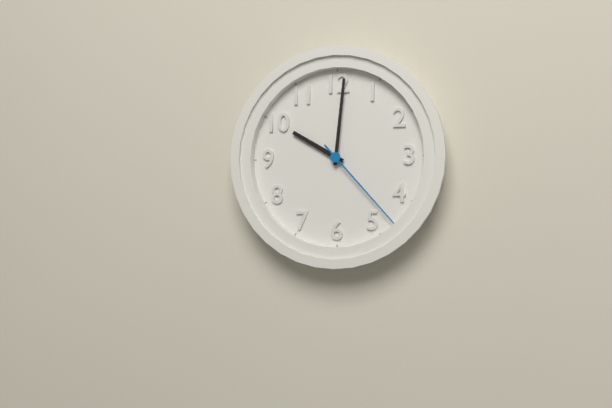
10:01:23
